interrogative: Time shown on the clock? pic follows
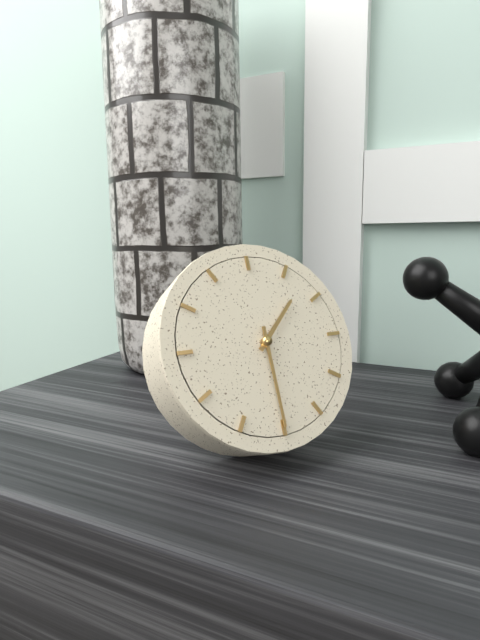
1:30
